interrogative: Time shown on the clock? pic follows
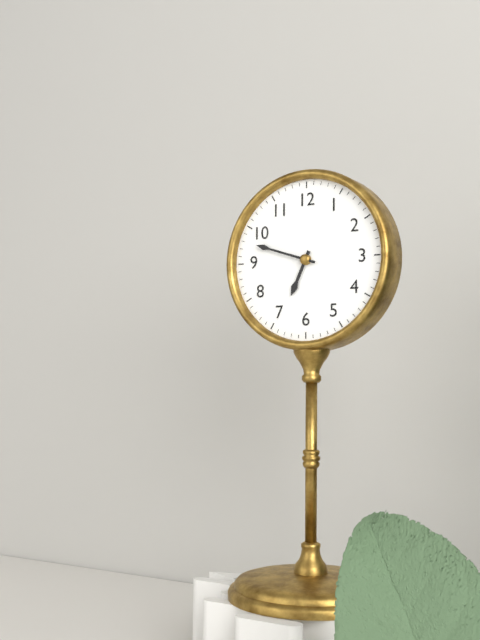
6:48
